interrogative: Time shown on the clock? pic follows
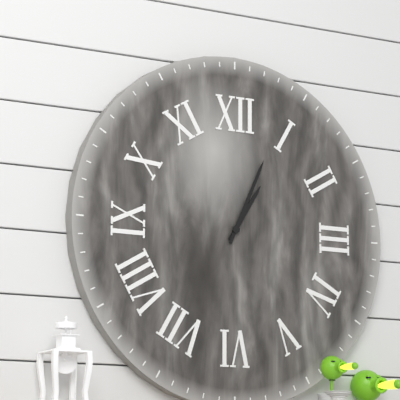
1:04
